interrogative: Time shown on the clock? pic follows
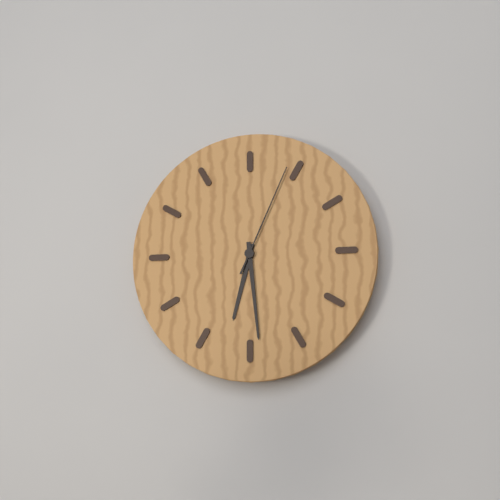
6:29:04
